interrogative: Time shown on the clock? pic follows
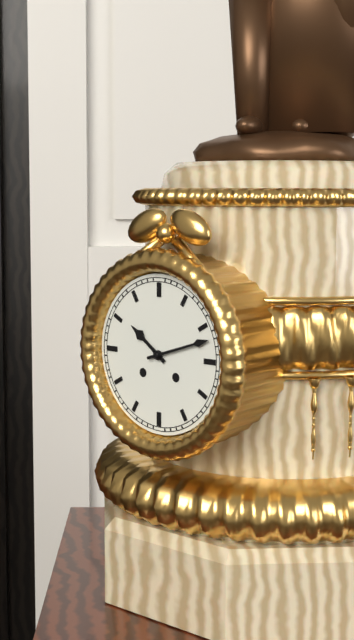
10:12
